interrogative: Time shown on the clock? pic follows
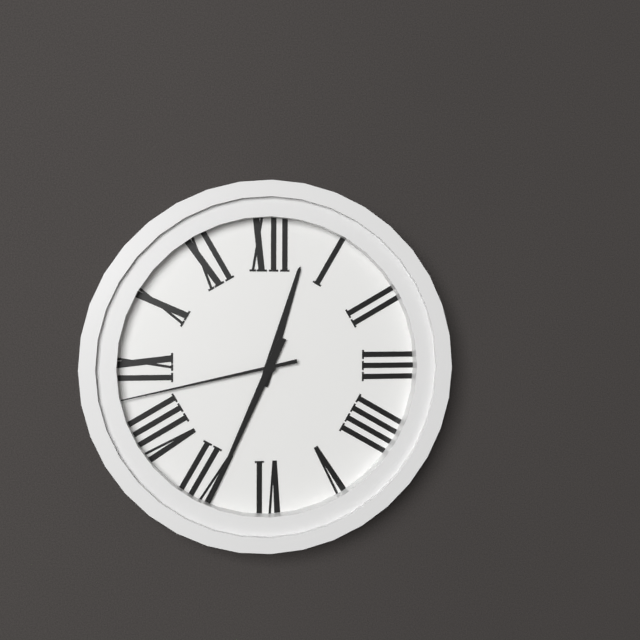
12:34:43
